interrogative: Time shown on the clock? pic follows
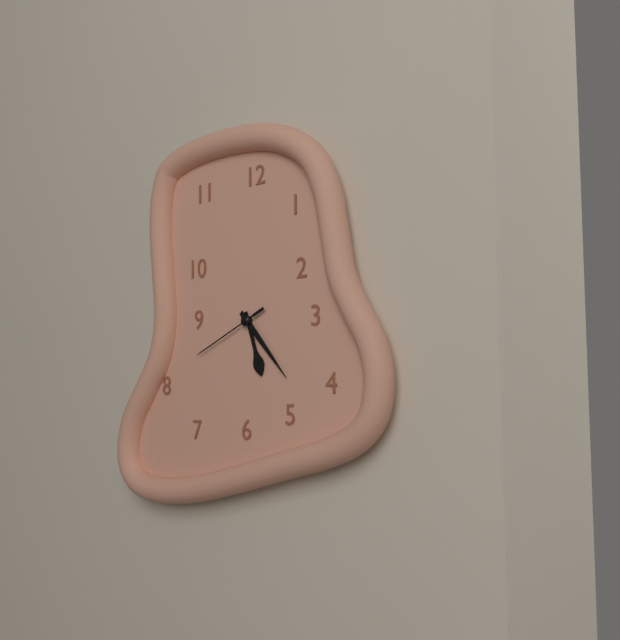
5:23:41
